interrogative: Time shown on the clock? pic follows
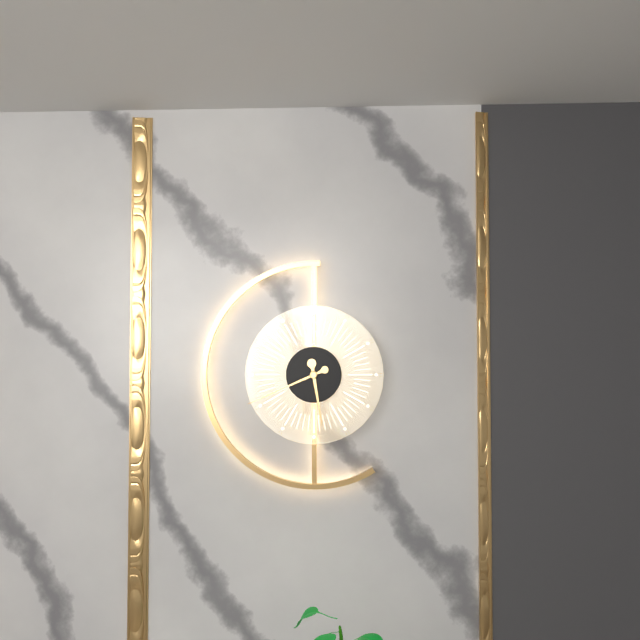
5:41
